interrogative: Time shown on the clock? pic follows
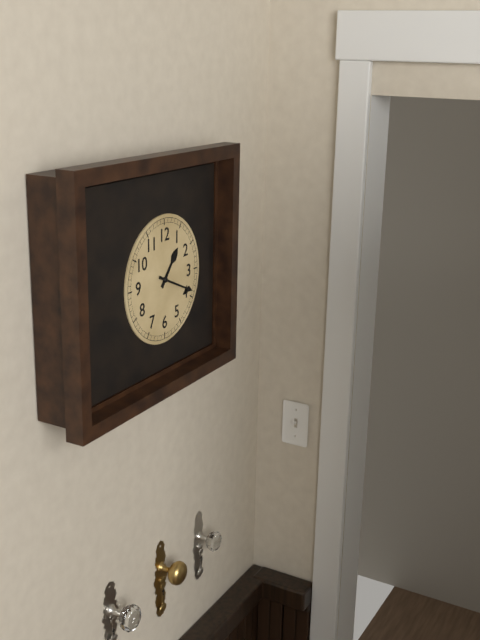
1:19
